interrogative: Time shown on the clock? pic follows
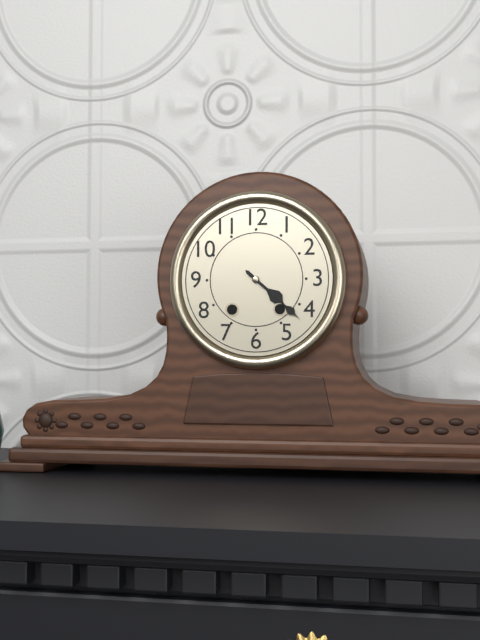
4:22
